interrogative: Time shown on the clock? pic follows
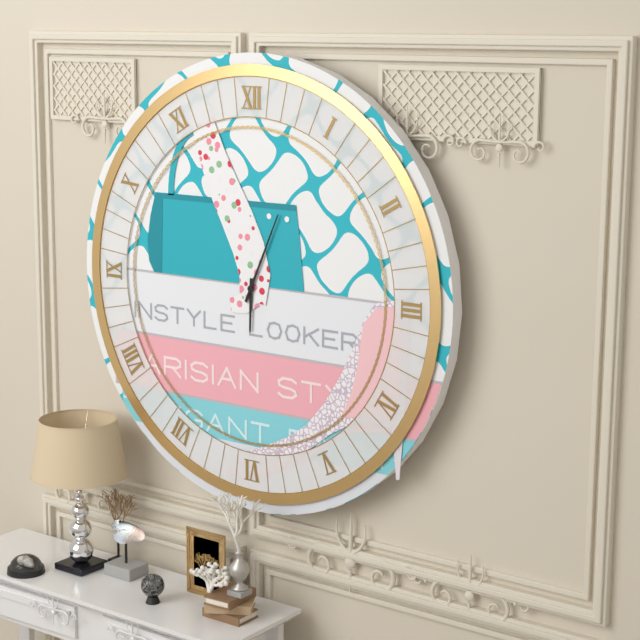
6:04
